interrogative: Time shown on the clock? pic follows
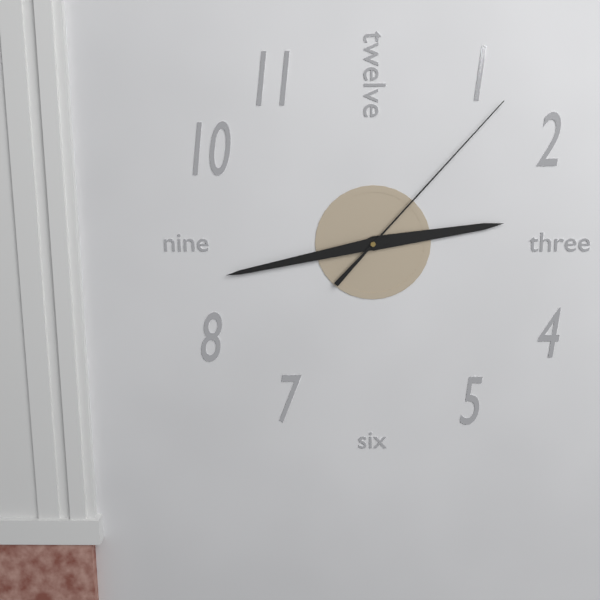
2:43:07
